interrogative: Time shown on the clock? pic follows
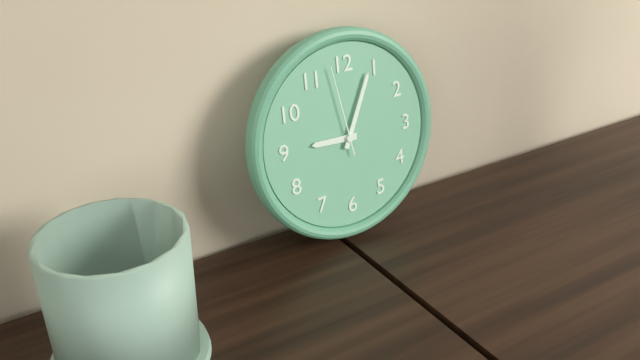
9:04:58
